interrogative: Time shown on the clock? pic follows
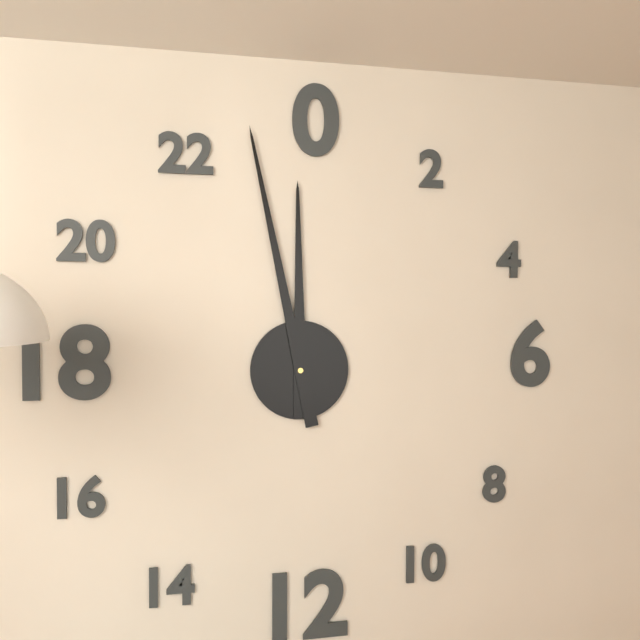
11:58
